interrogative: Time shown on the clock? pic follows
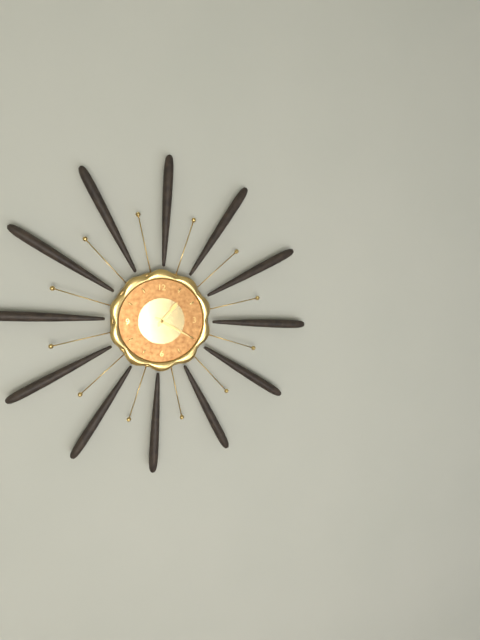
1:20
